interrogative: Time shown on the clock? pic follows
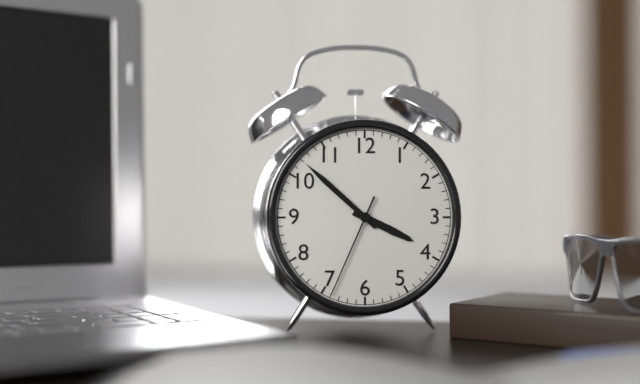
3:52:34
